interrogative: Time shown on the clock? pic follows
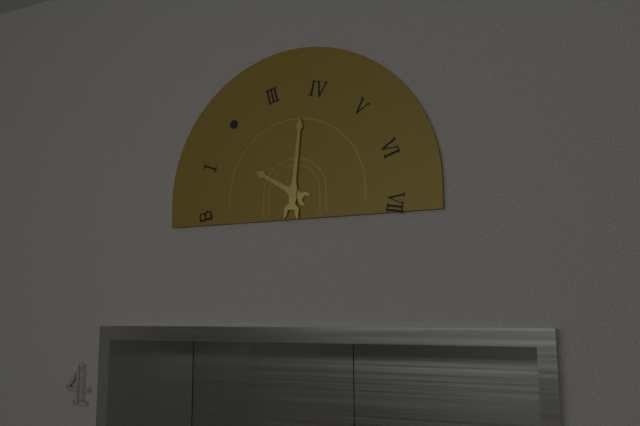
10:01
